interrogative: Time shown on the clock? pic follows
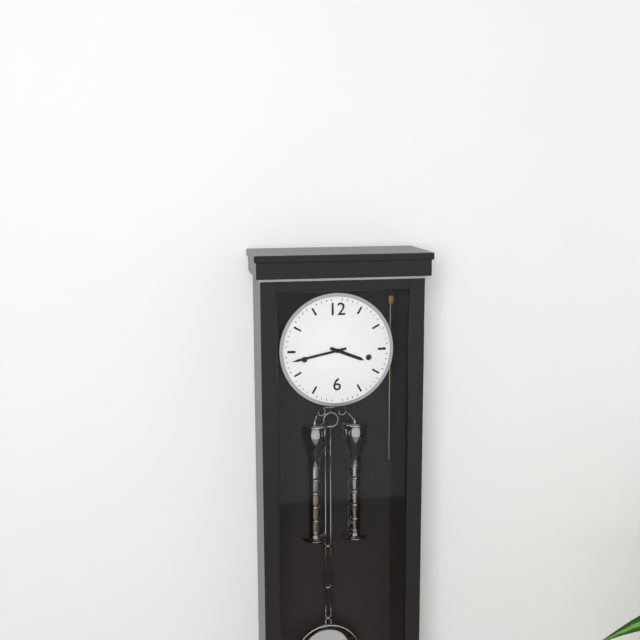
3:43
